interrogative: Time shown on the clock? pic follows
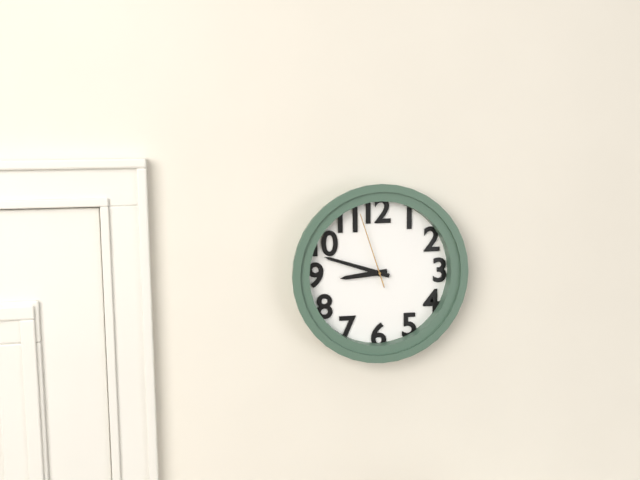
8:48:57
